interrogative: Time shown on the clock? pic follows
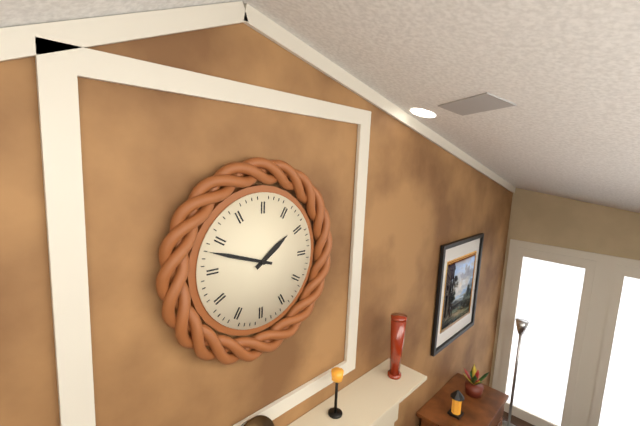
1:48
